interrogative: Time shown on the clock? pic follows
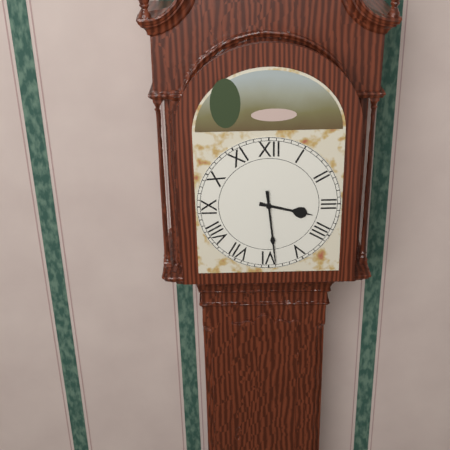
3:29
